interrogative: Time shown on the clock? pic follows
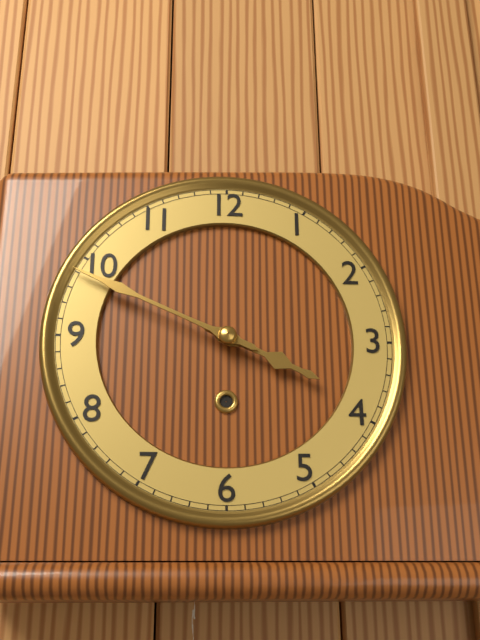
3:49
